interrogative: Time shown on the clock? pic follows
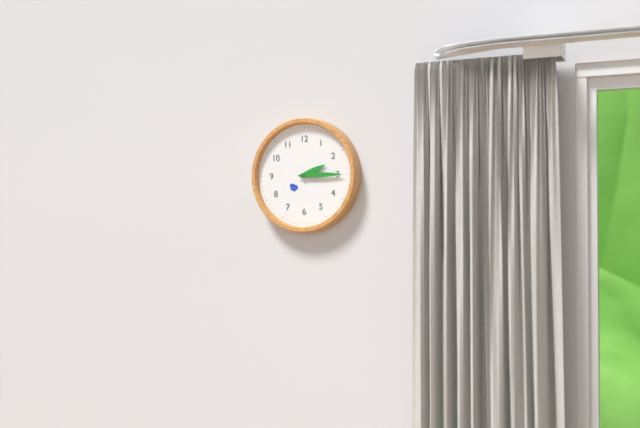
2:15
